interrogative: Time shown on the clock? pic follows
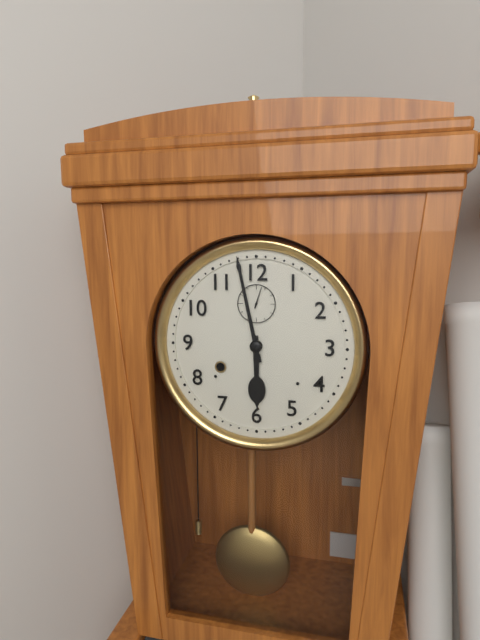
5:58
